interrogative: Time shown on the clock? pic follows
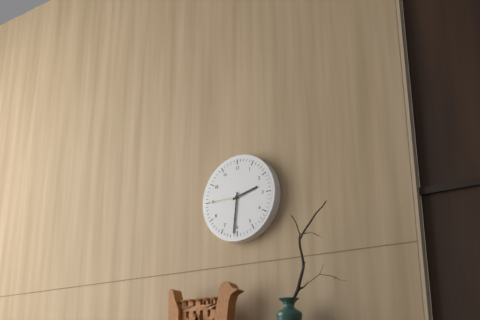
2:31
